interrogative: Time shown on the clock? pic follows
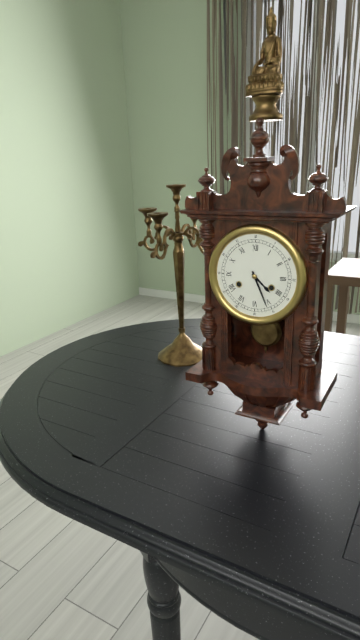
4:26
